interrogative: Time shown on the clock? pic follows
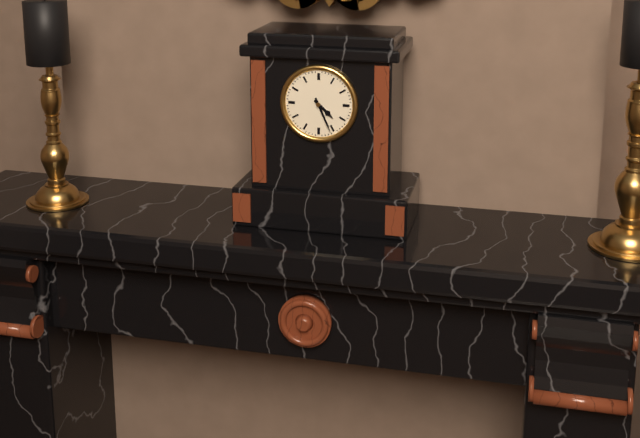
4:26
